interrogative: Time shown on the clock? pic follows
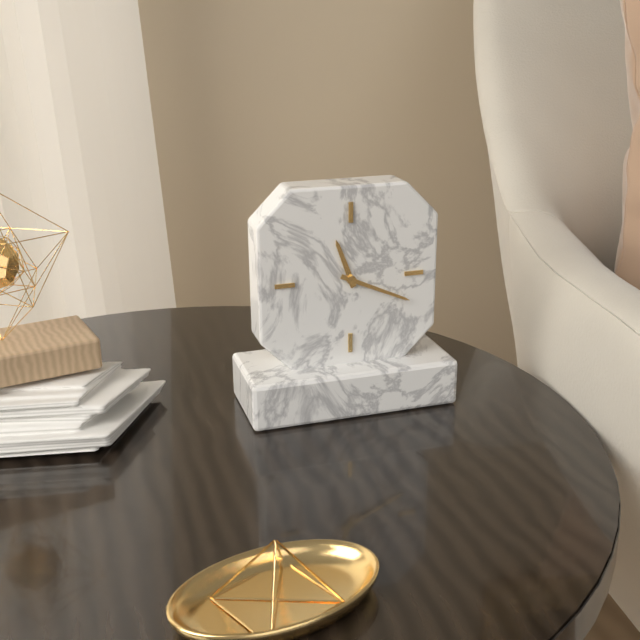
11:19
